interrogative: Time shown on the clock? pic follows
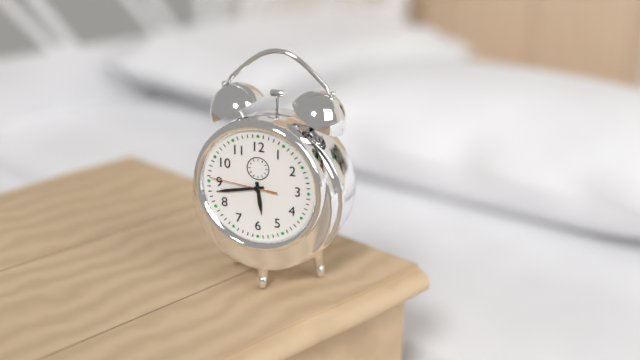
5:43:46
